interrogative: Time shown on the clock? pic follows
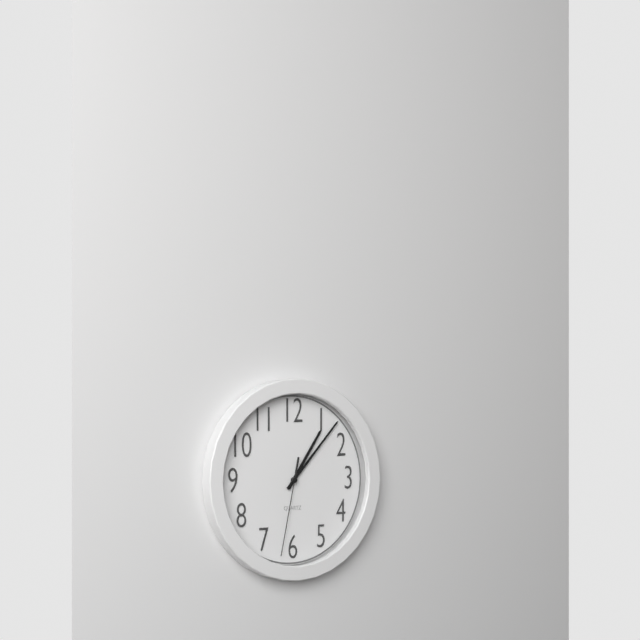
1:07:32
